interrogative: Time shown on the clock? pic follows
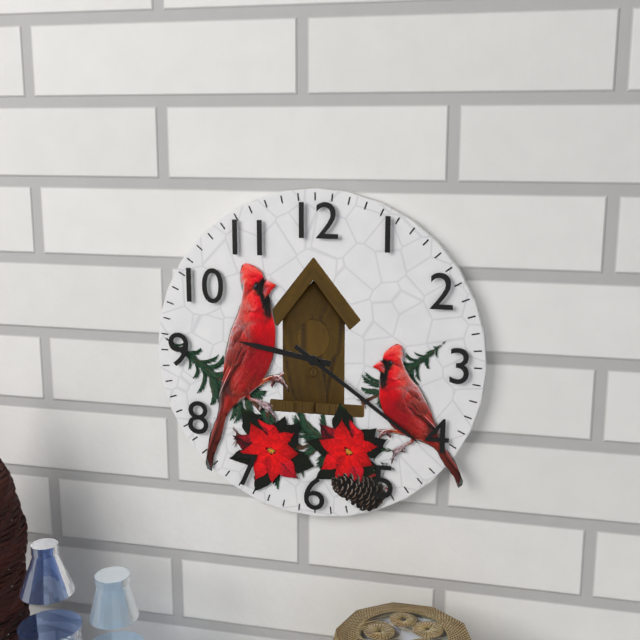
9:21
